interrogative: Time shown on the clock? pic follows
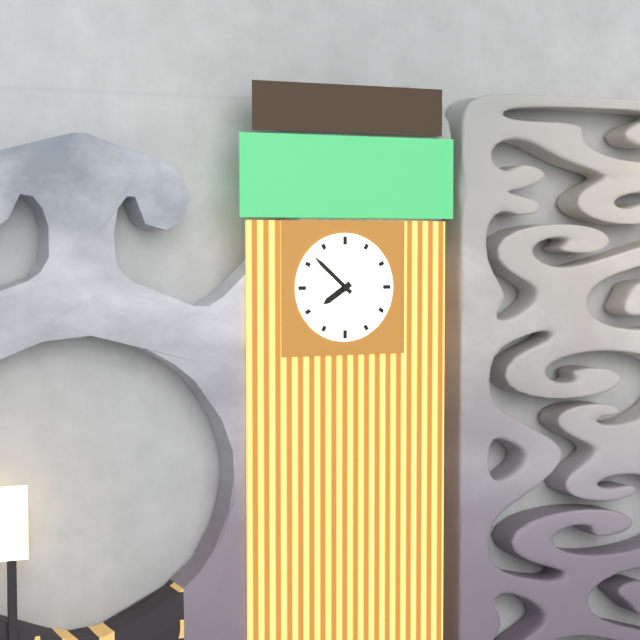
7:52
